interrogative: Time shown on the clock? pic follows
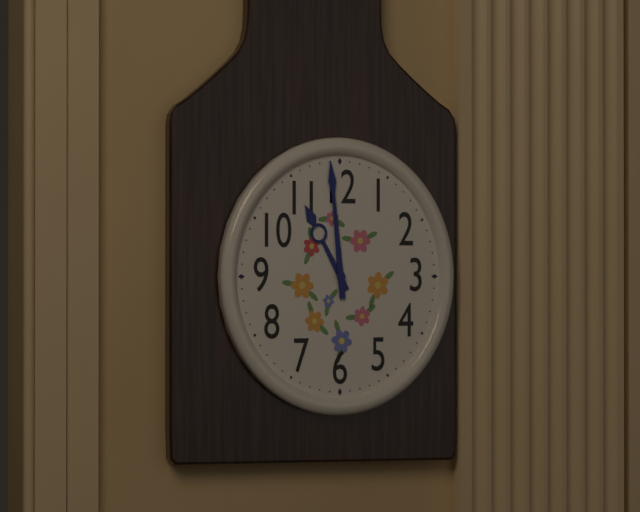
10:59
